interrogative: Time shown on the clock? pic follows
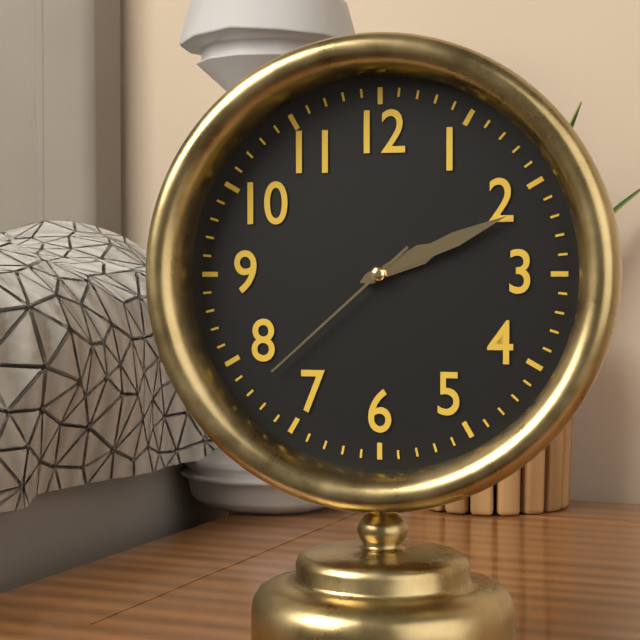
2:11:38
